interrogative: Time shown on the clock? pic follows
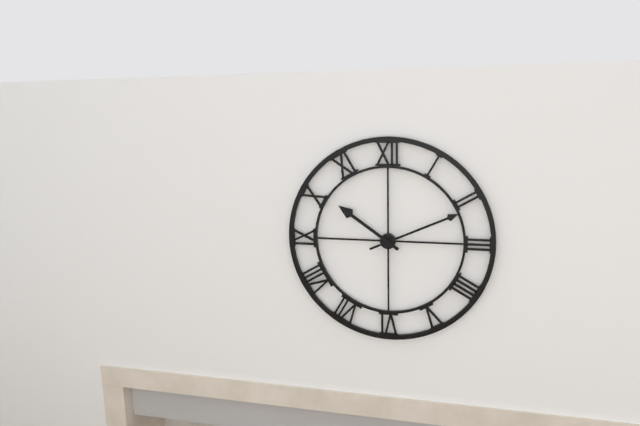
10:11
